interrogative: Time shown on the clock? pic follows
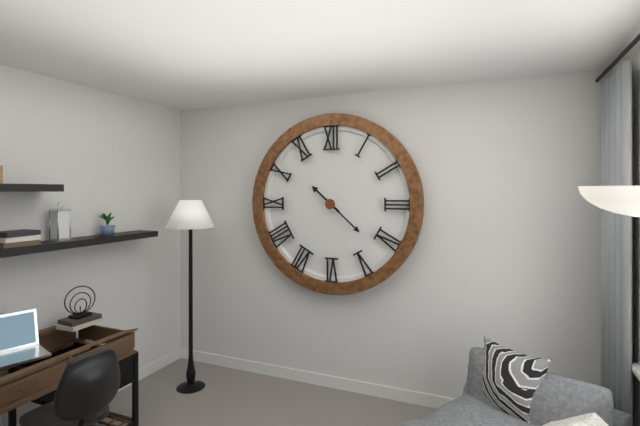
10:22
